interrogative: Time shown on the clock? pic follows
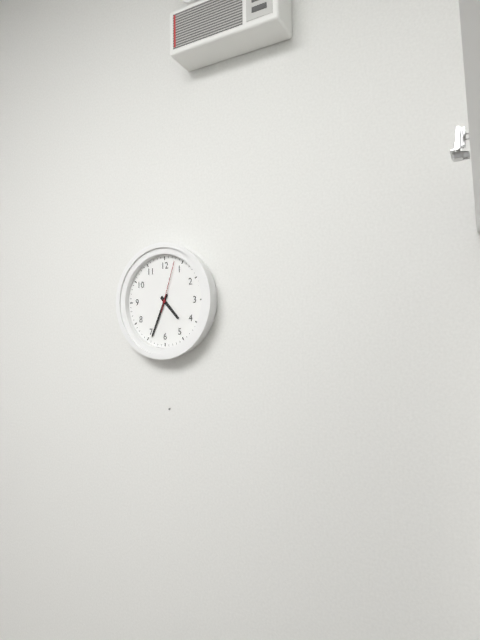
4:34:03
